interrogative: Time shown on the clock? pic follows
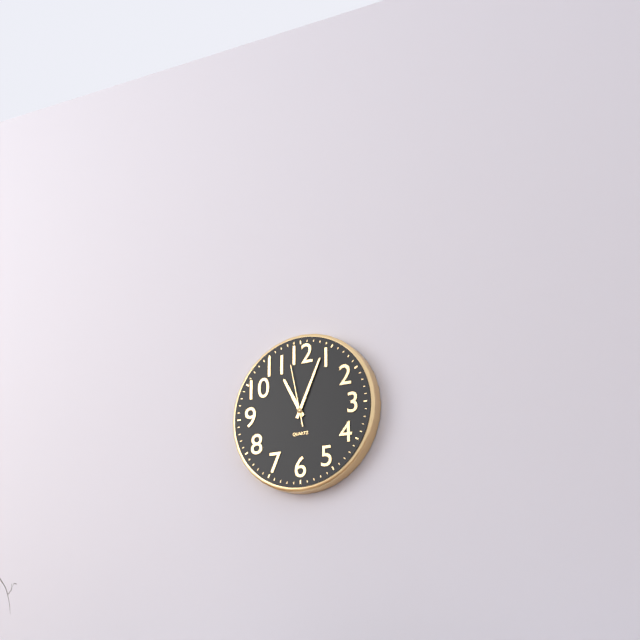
11:04:58
